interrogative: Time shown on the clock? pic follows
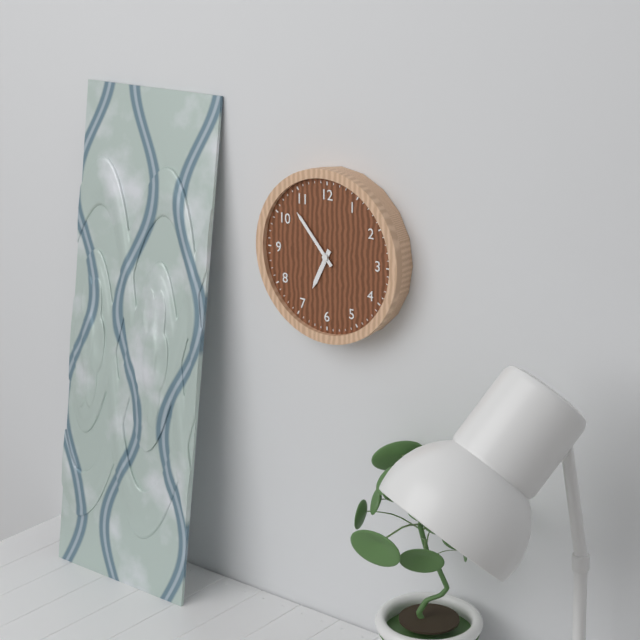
6:53
